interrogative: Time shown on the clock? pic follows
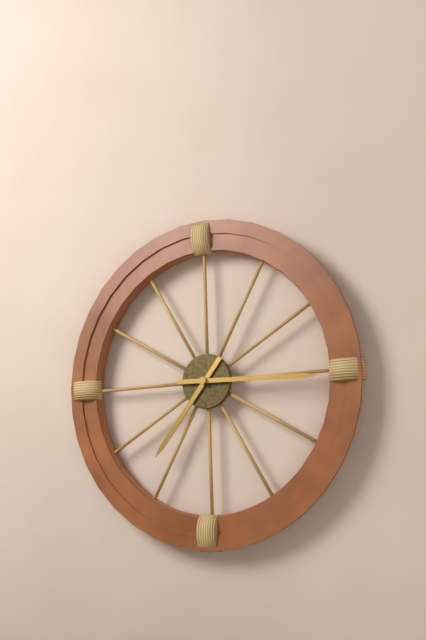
7:15
